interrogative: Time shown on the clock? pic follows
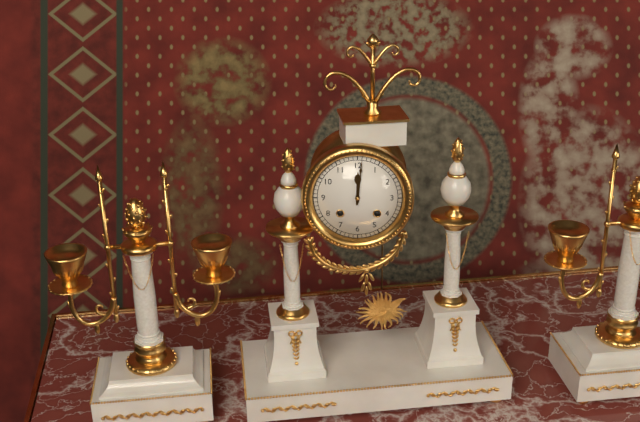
12:01
